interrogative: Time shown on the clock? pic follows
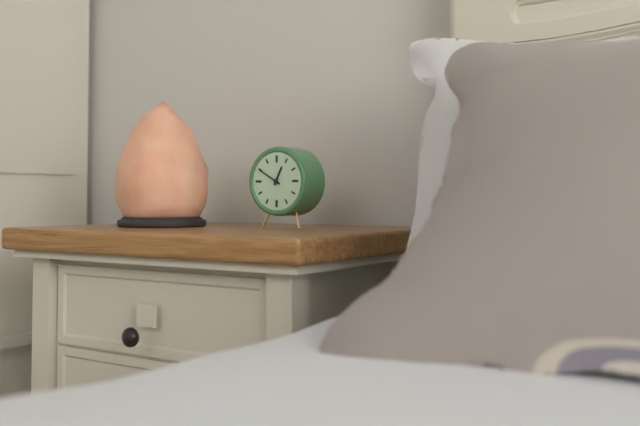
12:50
